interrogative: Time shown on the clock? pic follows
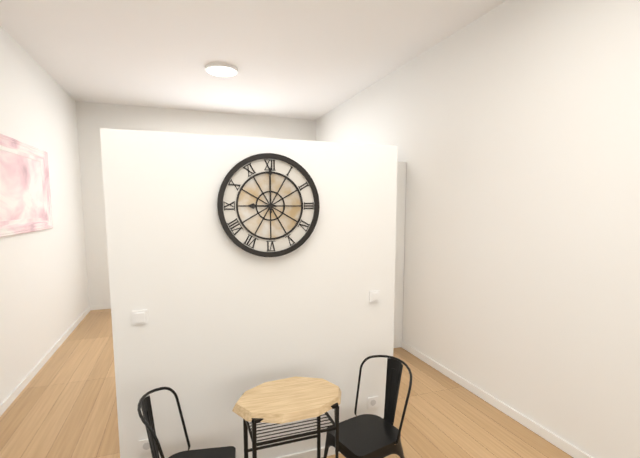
9:00
